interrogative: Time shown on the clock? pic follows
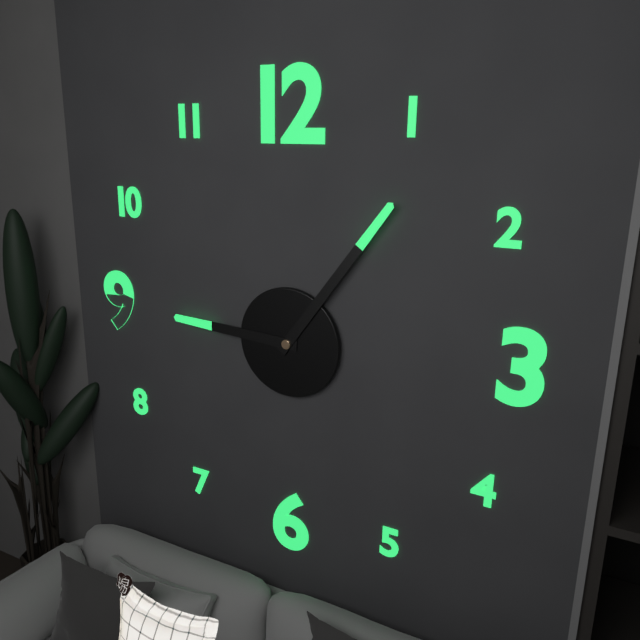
9:06
